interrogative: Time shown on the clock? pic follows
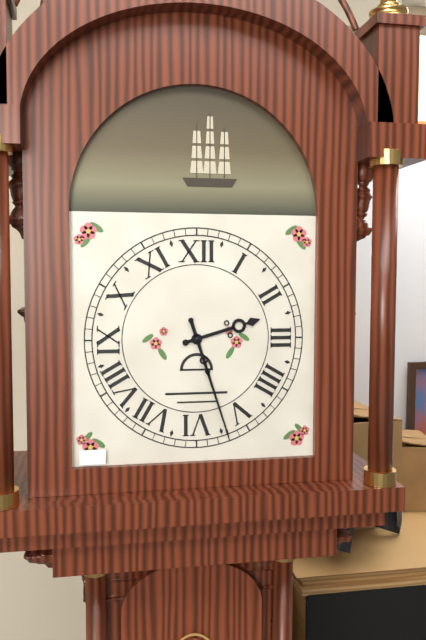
2:27
